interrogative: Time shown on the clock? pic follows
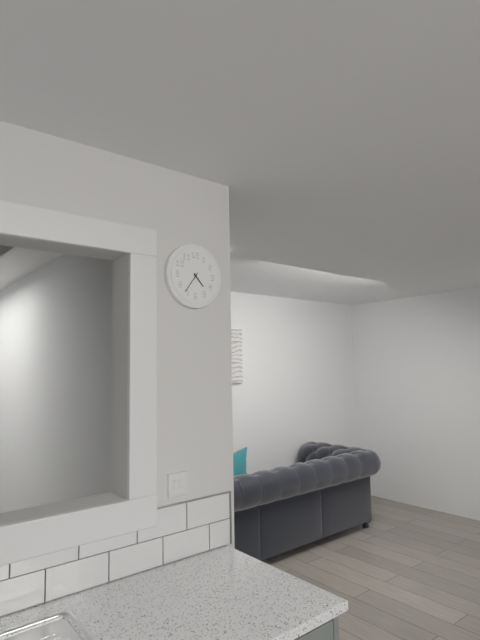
4:36
